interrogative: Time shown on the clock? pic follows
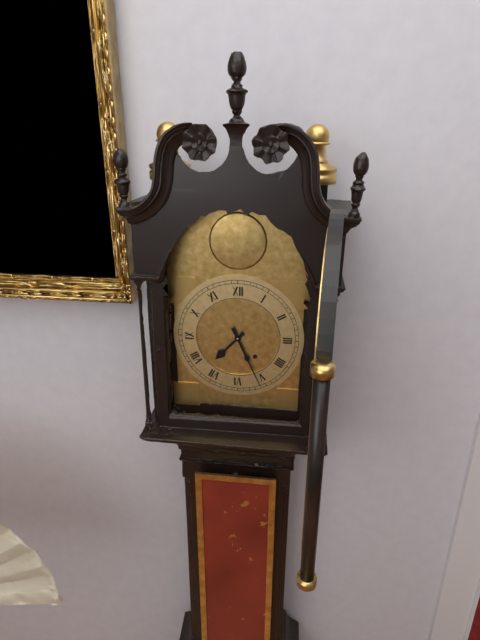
7:26
